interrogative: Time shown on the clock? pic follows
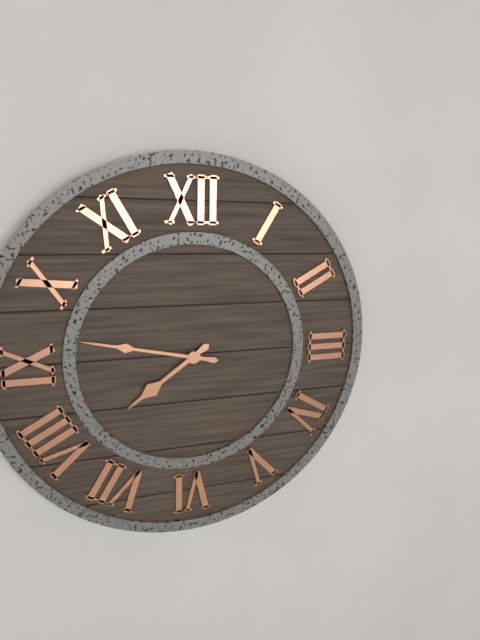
7:47
